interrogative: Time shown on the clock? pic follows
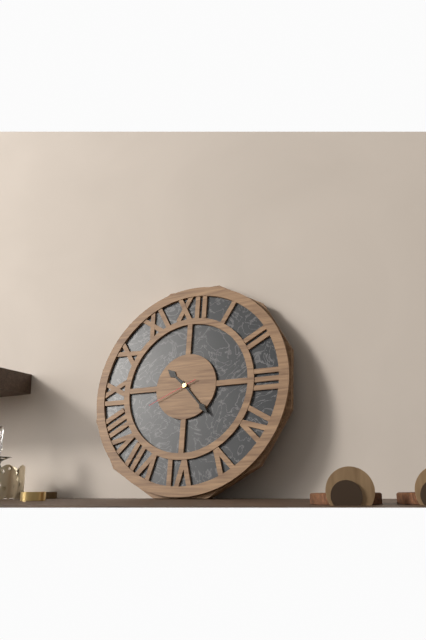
10:23:41
